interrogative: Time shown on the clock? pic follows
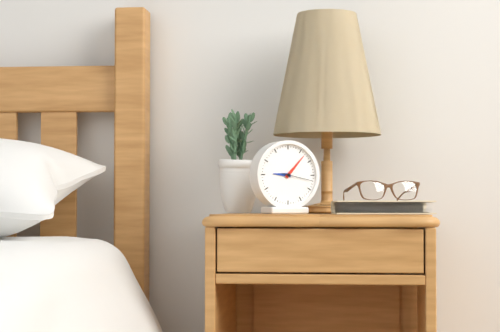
9:07
